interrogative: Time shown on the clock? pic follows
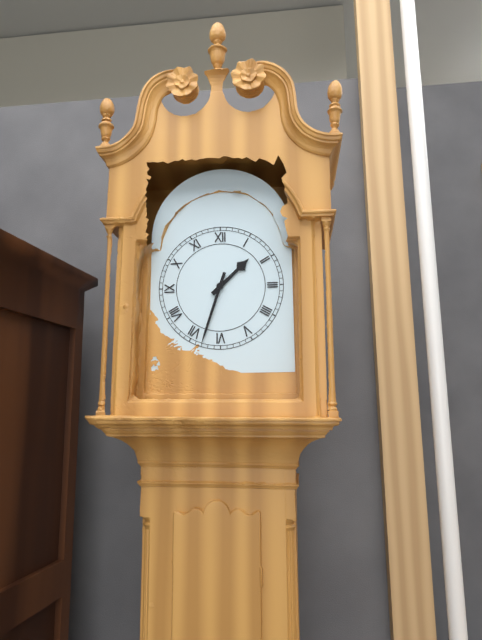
1:33
